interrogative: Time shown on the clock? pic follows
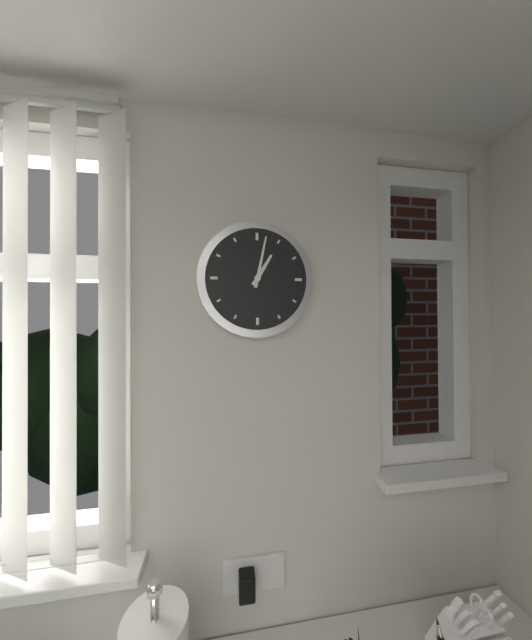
1:02
